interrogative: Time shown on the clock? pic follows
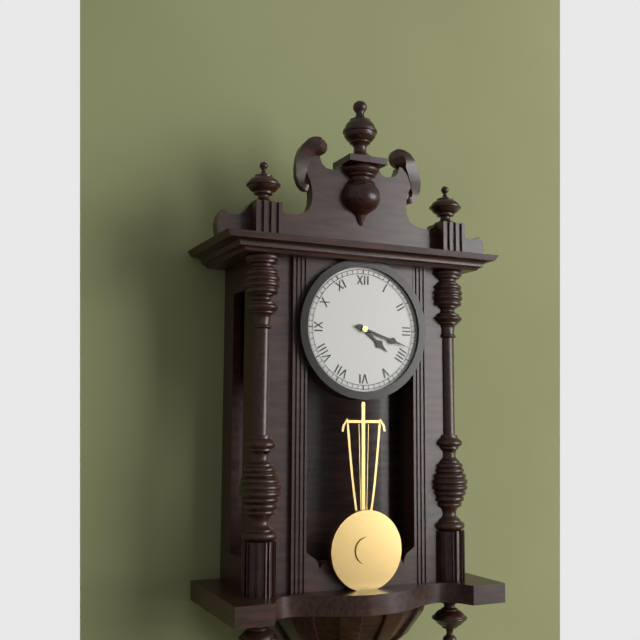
4:18
